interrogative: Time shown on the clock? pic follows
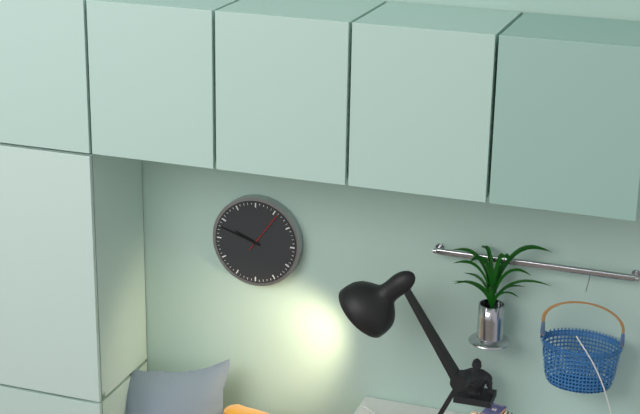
9:48
